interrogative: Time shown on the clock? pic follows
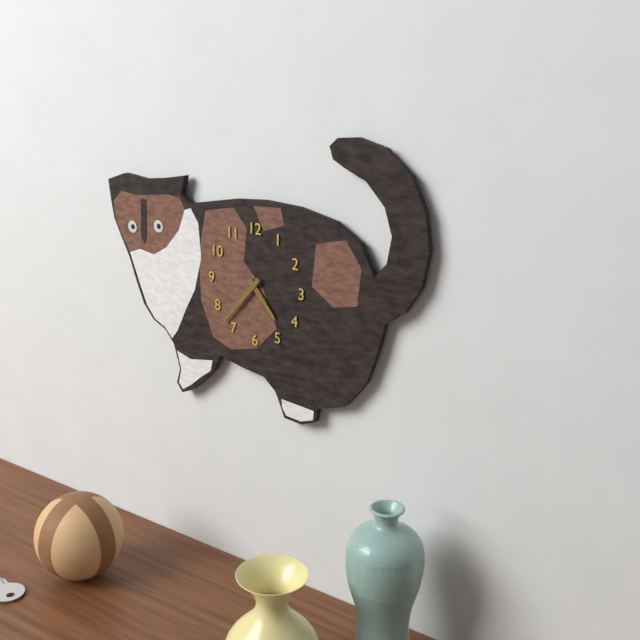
4:37
